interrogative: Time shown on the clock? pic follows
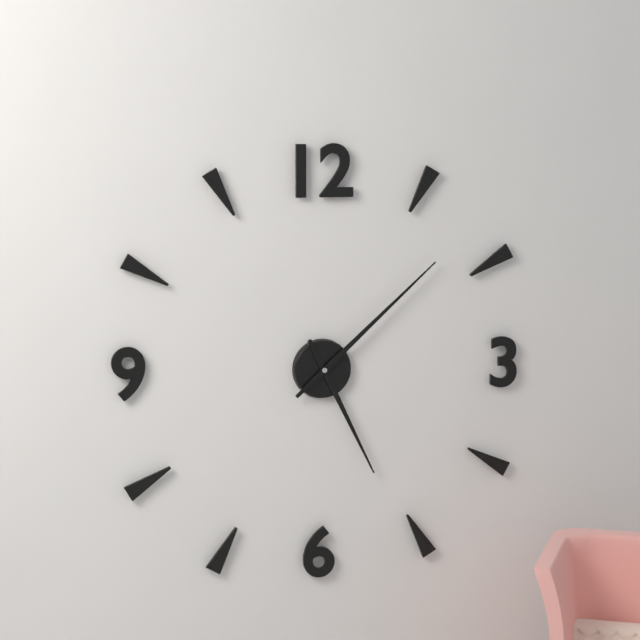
5:08
